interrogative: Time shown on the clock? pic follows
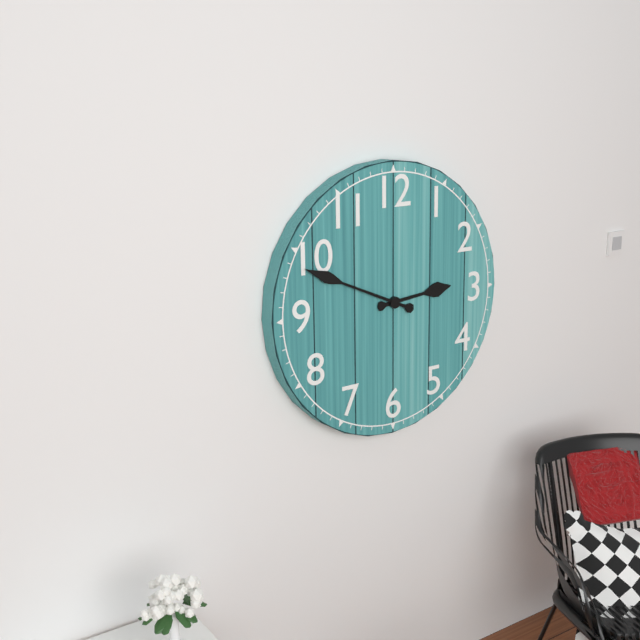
2:49
